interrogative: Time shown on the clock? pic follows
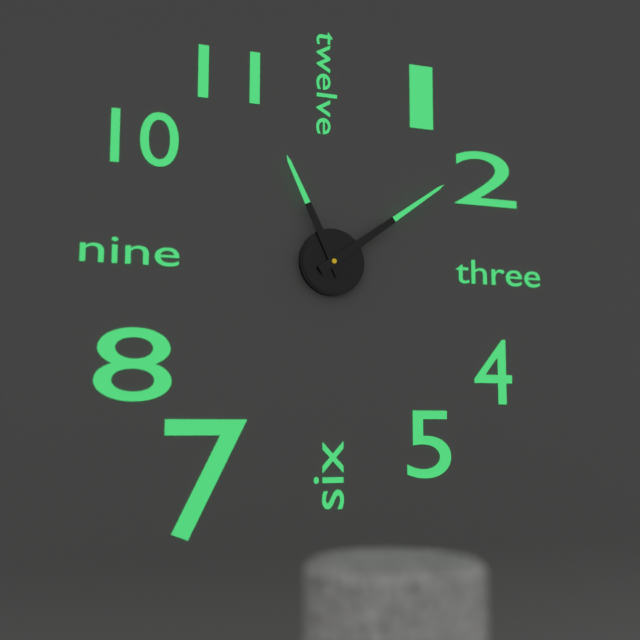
11:09
